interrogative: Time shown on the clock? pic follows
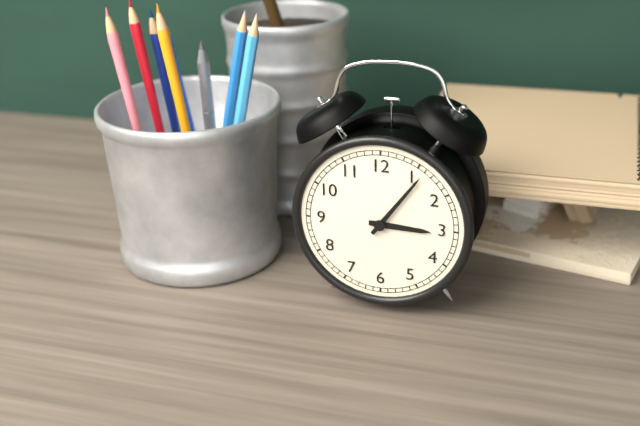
3:06
